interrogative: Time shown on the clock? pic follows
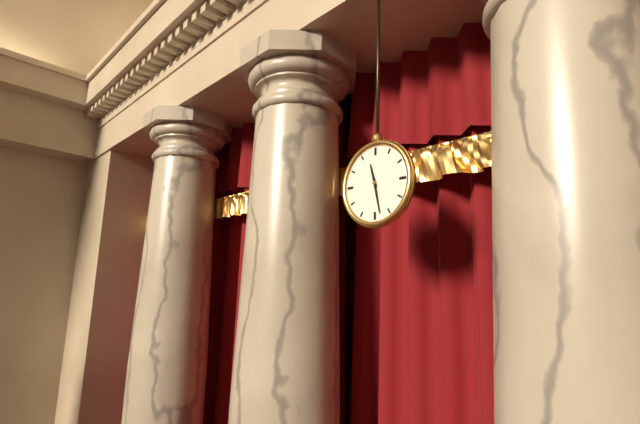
11:28
